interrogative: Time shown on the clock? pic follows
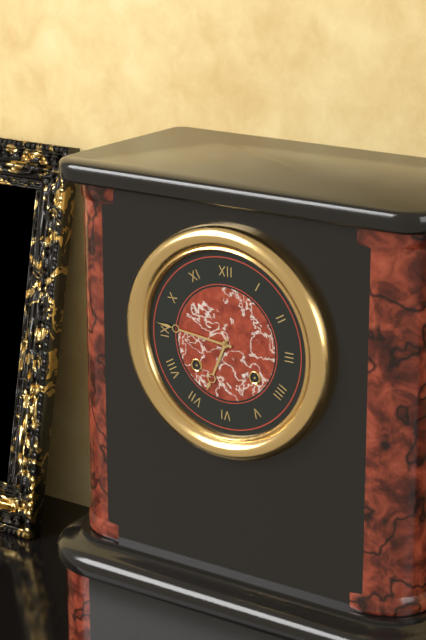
6:46
